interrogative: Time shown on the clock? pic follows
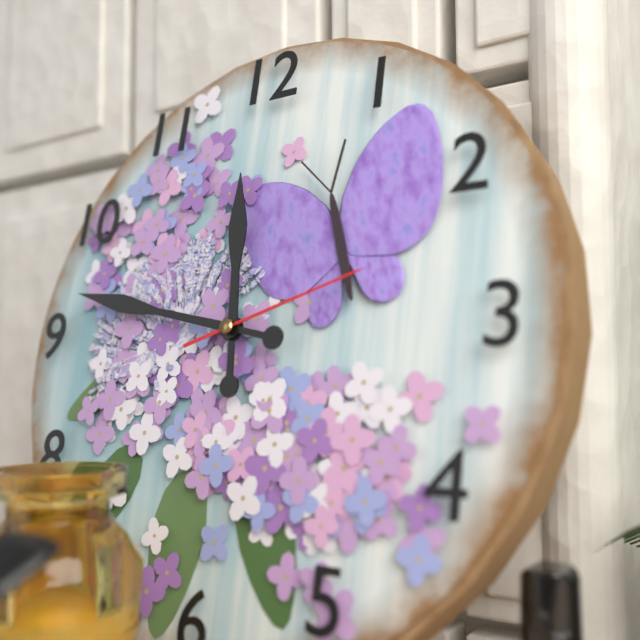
11:47:12
